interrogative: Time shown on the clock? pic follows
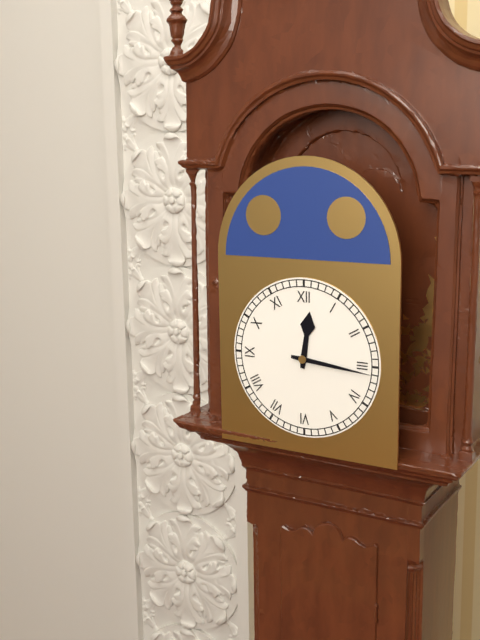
12:16
